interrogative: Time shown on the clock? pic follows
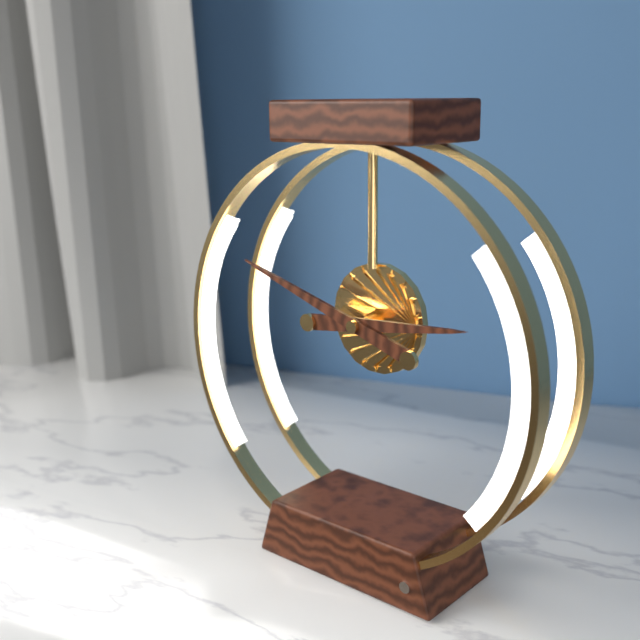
2:48
